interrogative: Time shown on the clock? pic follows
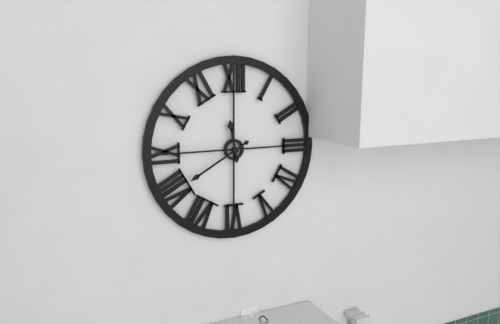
11:40
